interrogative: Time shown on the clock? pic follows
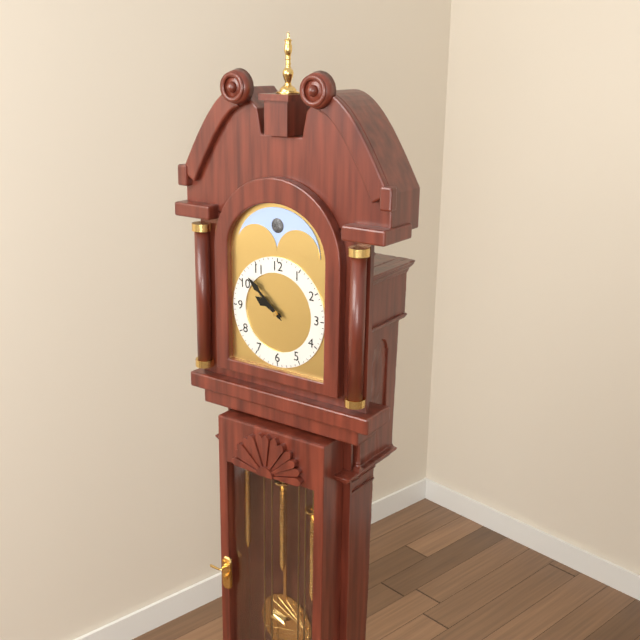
9:52
